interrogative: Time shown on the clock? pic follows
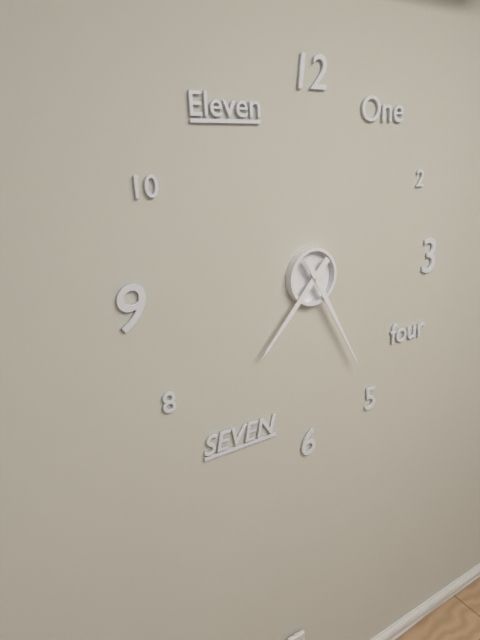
7:25
